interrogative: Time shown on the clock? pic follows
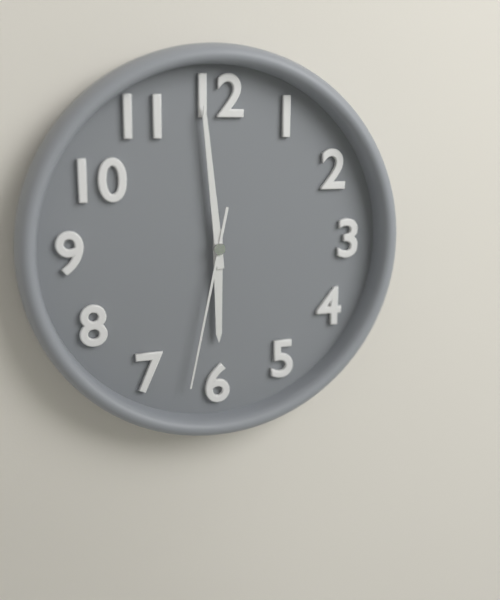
5:59:32
